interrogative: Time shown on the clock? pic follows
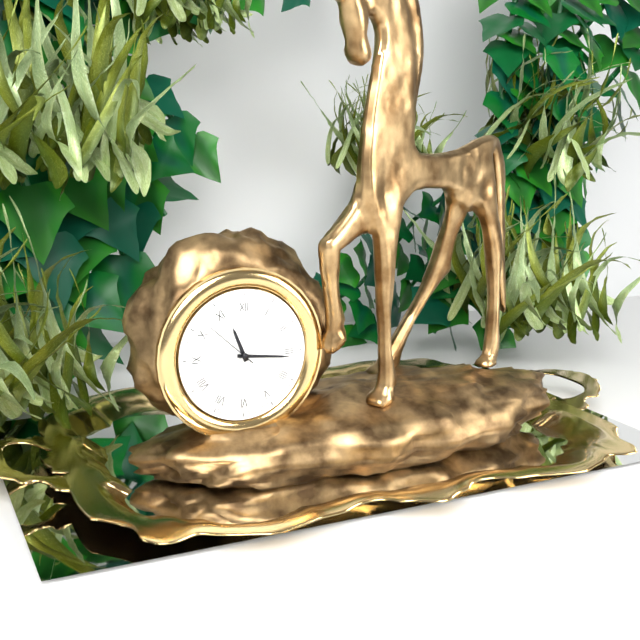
11:16:52
